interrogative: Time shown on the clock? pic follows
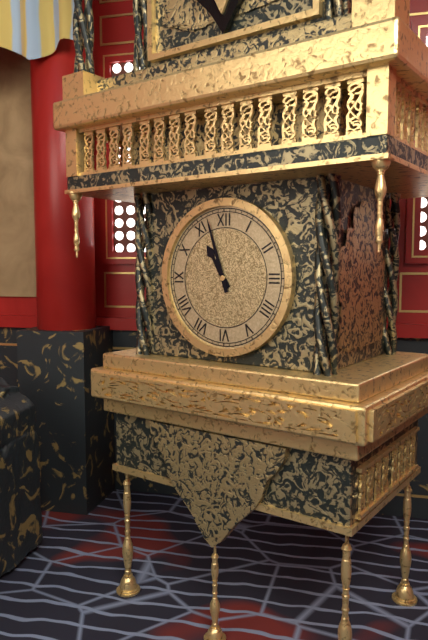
10:57
